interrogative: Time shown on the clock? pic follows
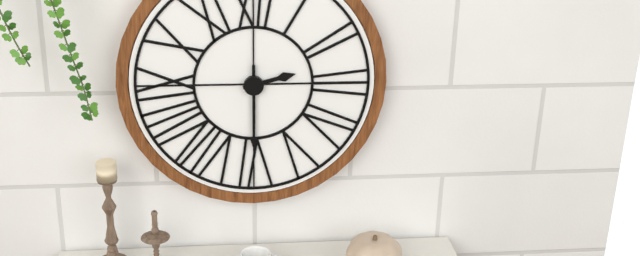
2:30
